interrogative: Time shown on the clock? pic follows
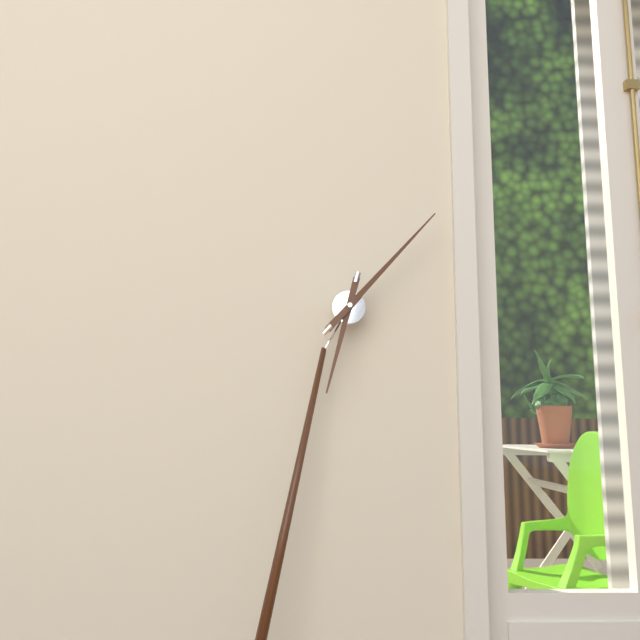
6:05
